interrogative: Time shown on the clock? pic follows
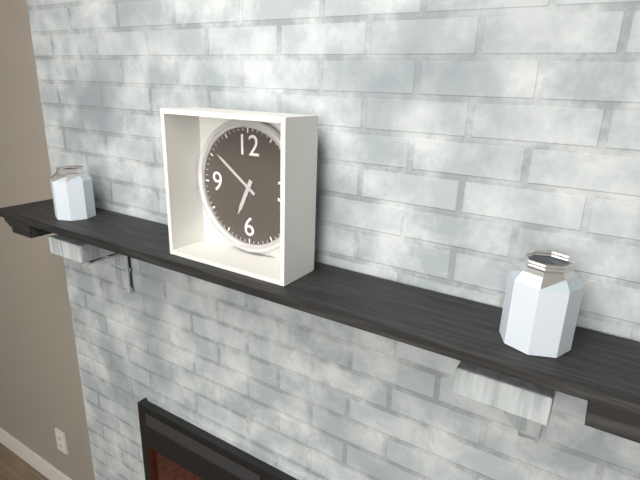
6:51
